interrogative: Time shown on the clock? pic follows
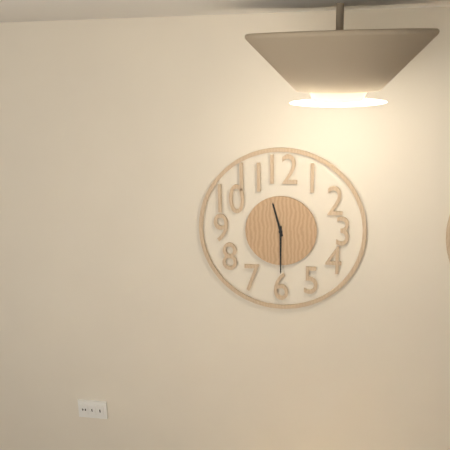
11:30
